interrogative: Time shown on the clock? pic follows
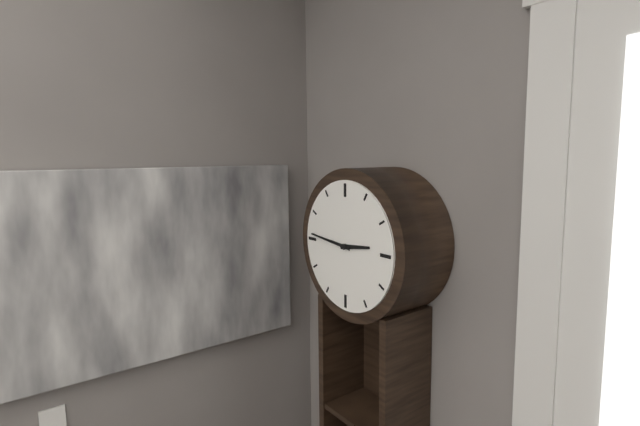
2:46
